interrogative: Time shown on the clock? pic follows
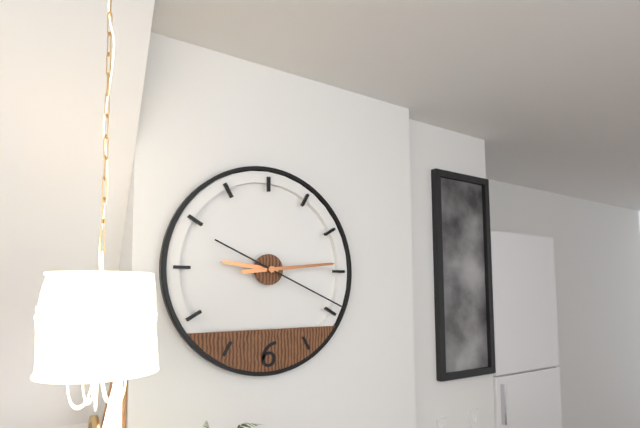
9:14:19
